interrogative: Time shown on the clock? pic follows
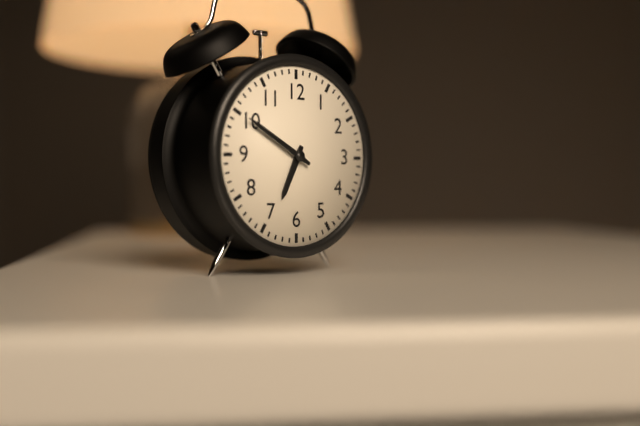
6:50
